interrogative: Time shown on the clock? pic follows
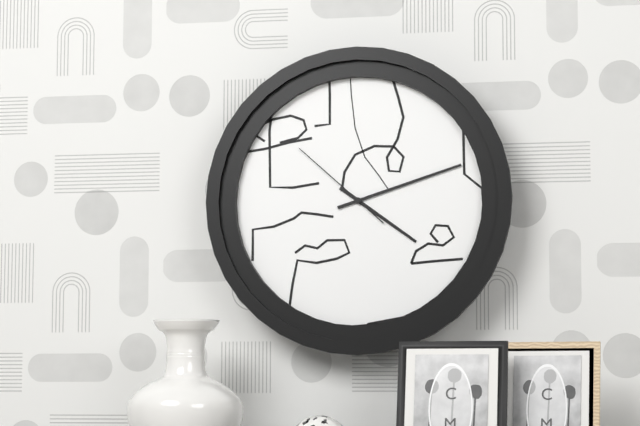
4:12:52
